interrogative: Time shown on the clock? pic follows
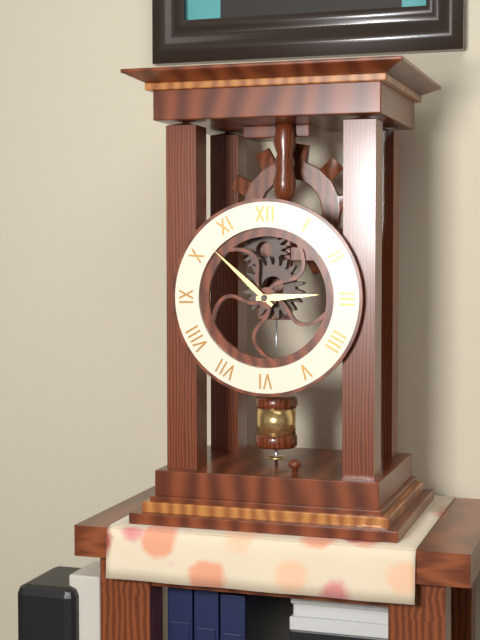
2:52
